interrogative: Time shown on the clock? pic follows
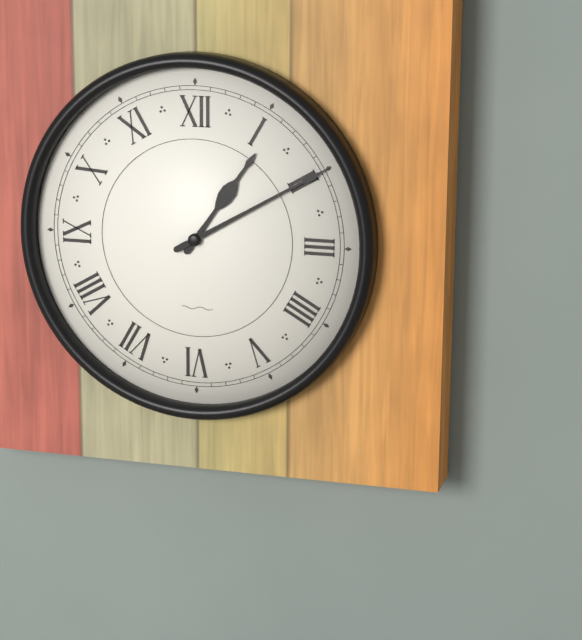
1:10
